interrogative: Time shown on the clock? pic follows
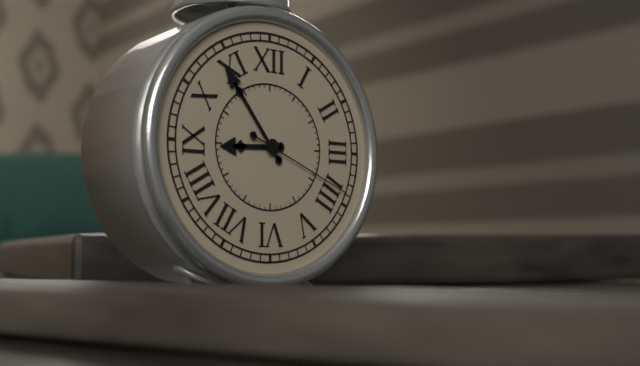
8:54:19
